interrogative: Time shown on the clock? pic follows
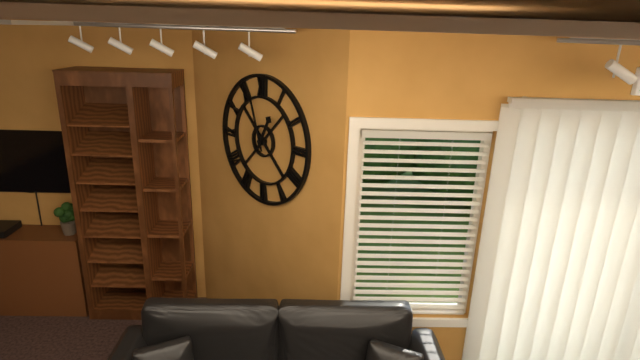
12:57
